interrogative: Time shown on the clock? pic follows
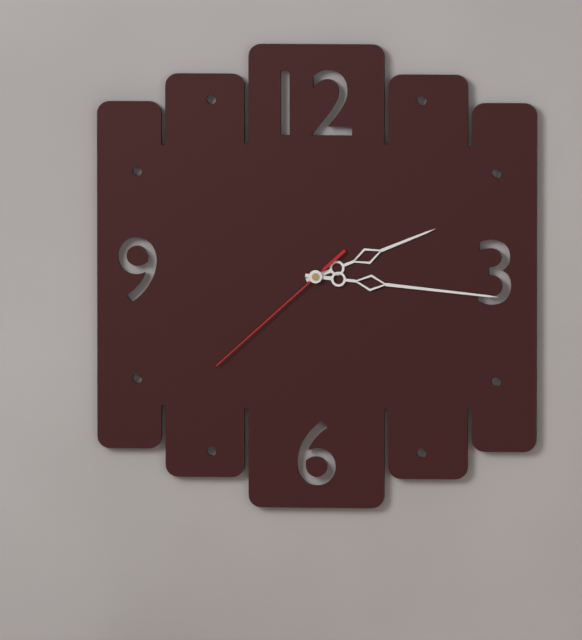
2:16:38
